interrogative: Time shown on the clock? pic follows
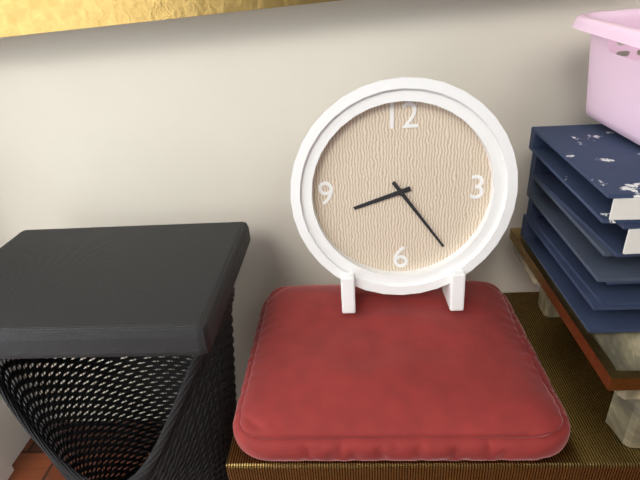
8:24
